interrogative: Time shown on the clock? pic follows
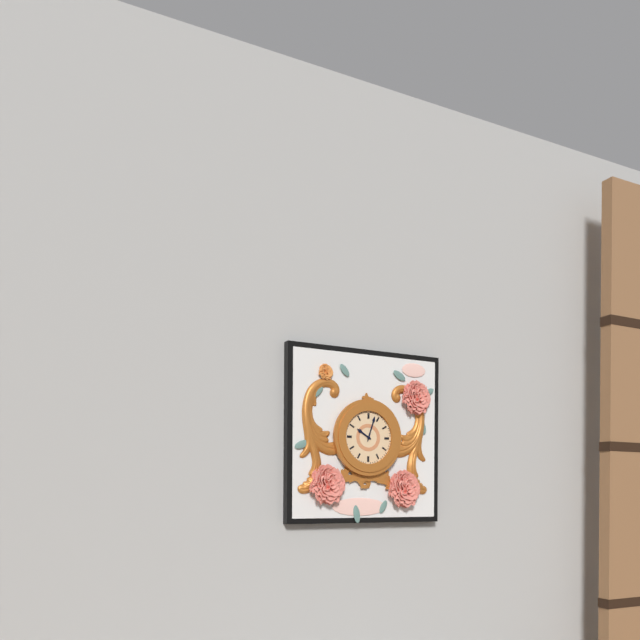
10:03
